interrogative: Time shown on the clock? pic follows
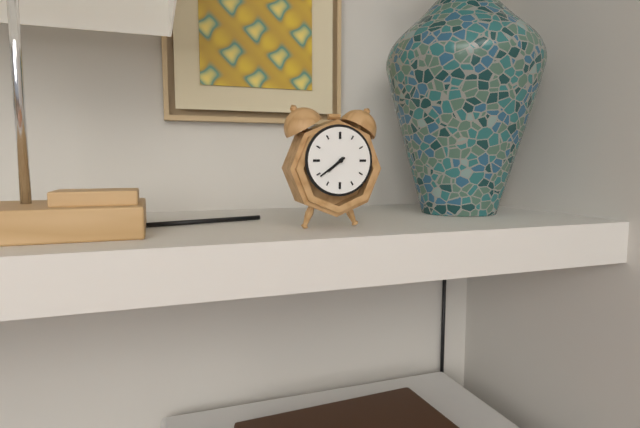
7:39
